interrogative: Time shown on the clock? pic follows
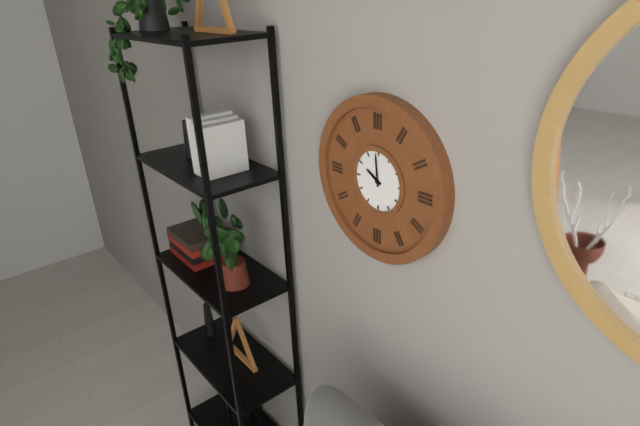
9:59
